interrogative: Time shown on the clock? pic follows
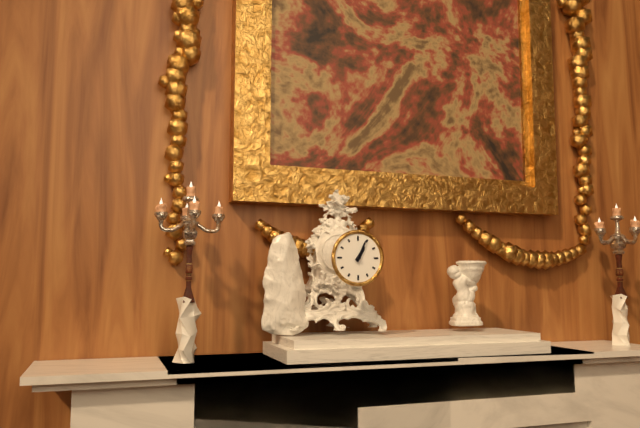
1:04
